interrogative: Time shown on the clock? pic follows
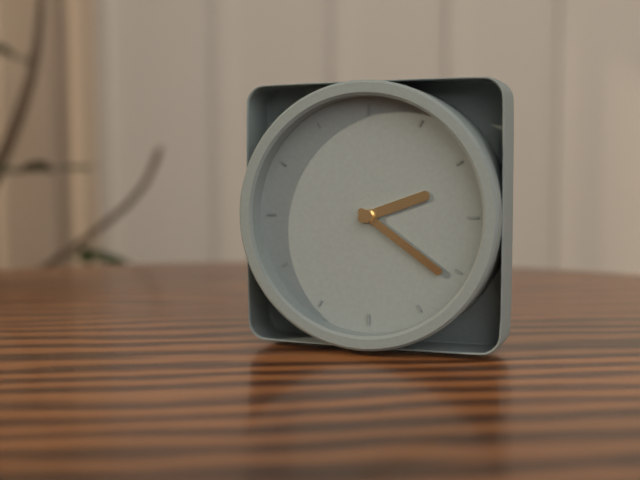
2:21
